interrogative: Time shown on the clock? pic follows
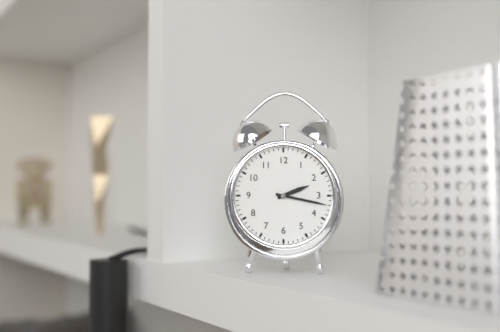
2:17
